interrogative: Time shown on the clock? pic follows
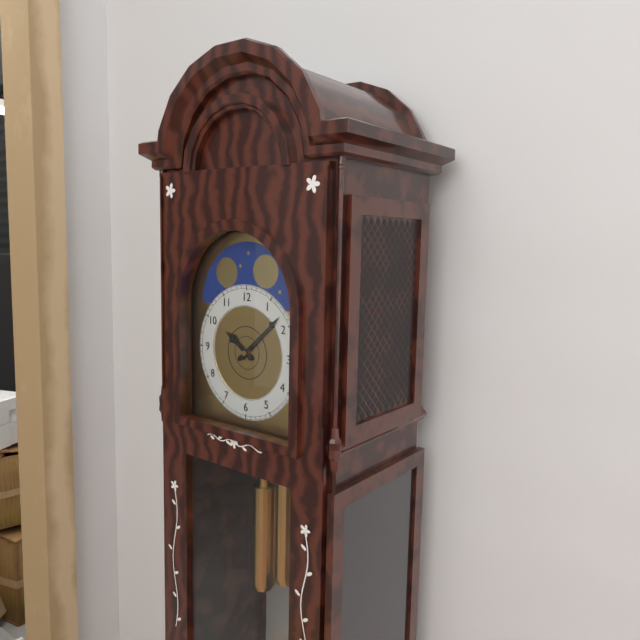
10:08
